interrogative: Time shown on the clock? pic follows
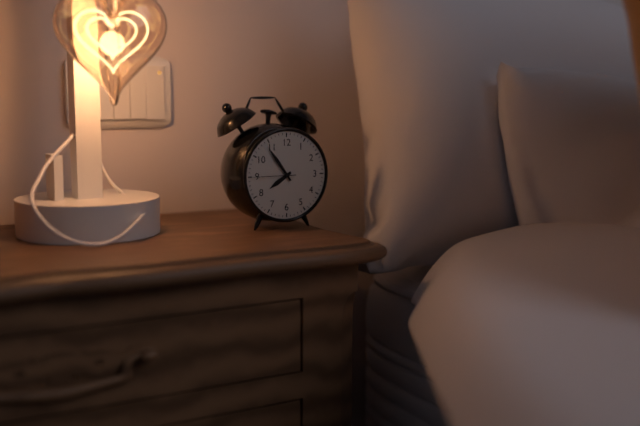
7:54
